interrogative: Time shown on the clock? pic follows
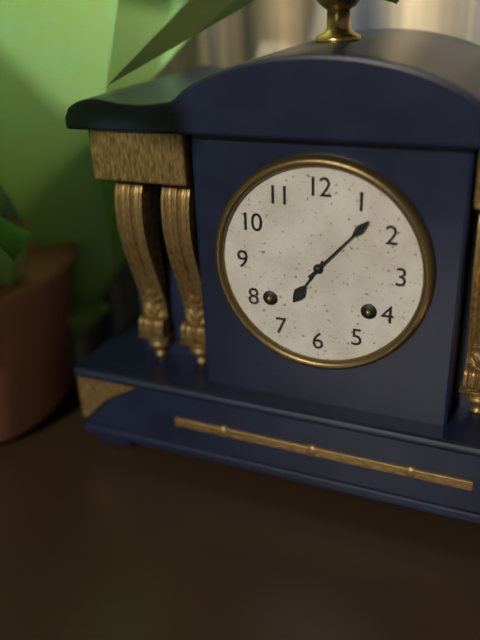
7:07
